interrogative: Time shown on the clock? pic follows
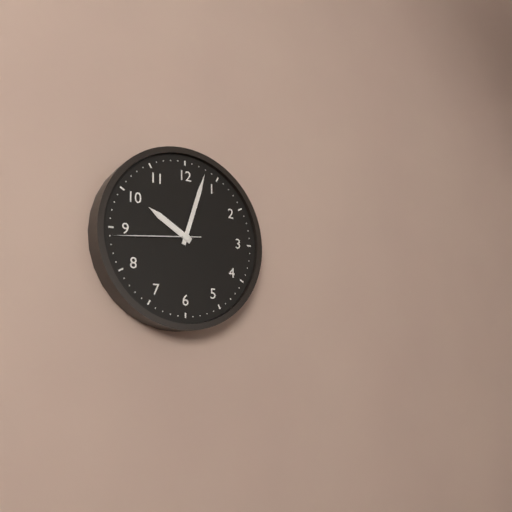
10:03:44
